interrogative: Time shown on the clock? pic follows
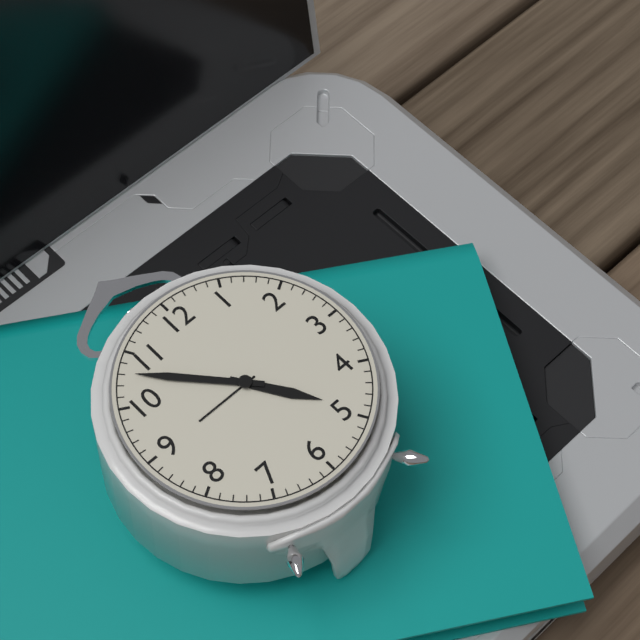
4:53
